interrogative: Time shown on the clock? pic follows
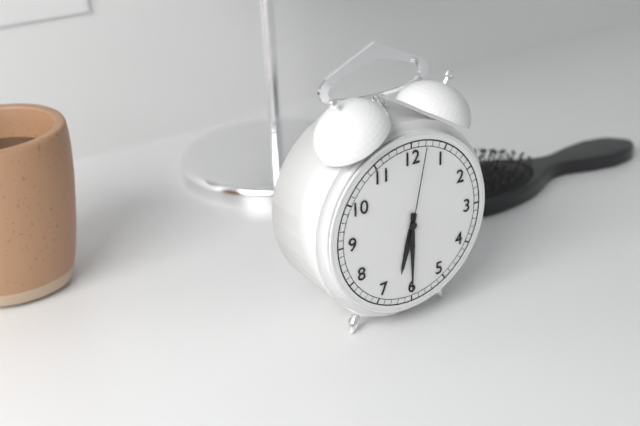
6:30:02
